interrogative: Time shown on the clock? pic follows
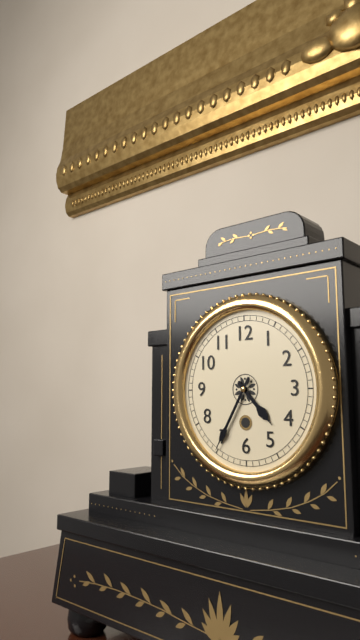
4:35
